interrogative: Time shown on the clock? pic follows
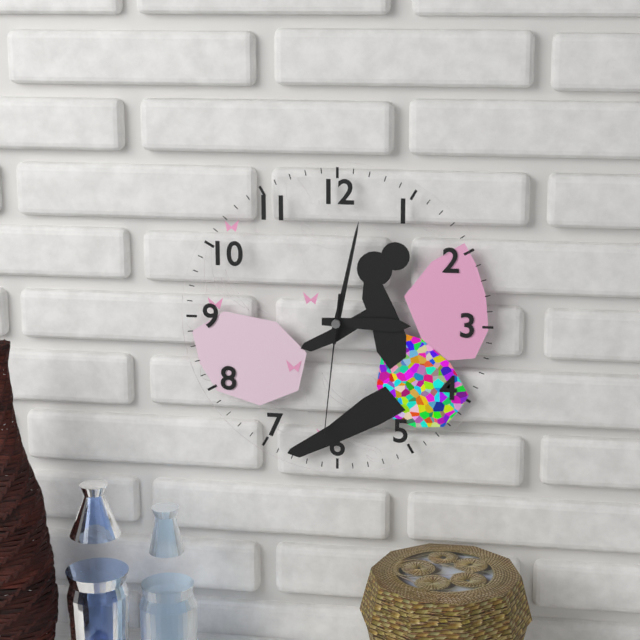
3:02:31
